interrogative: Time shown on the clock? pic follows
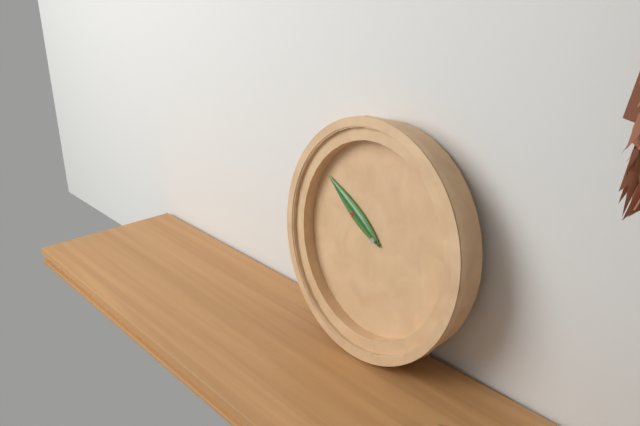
9:50
